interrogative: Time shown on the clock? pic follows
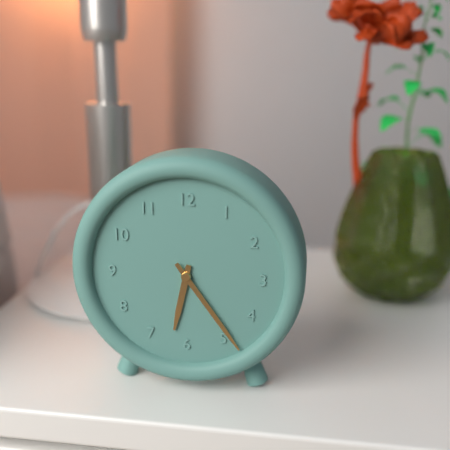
6:24
